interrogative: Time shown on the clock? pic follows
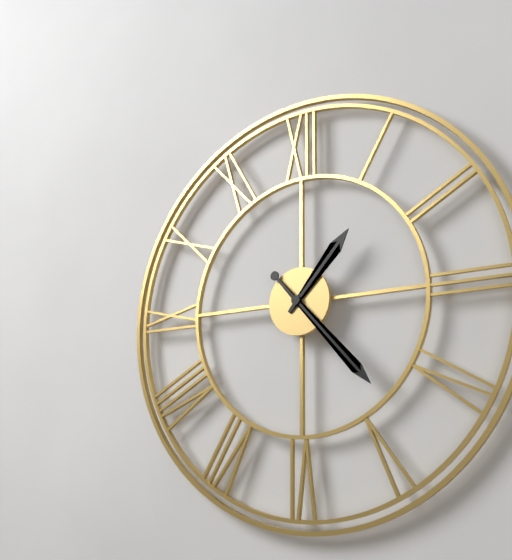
1:23
